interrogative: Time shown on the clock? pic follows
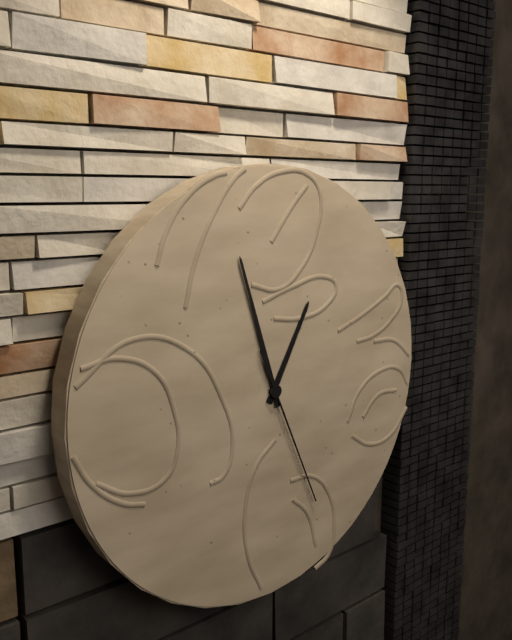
12:57:26
